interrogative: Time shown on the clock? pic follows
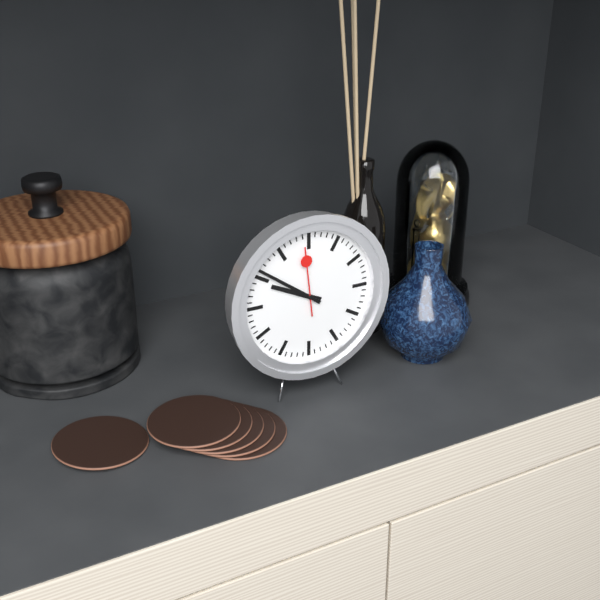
9:51:59
